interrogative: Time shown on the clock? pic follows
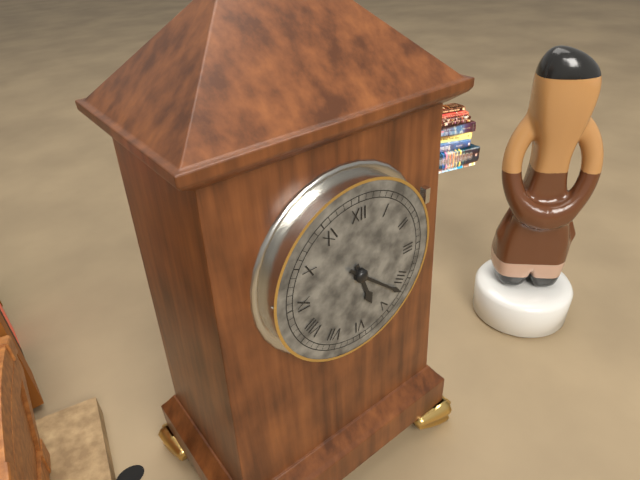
5:22
